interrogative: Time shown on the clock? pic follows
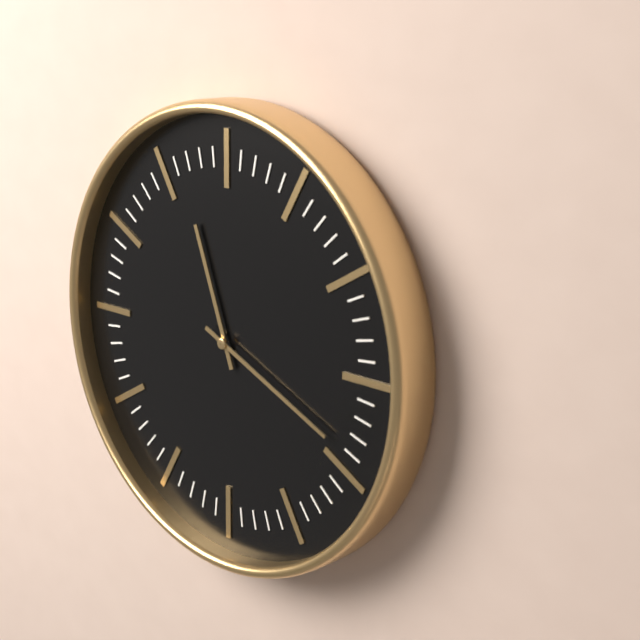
11:19
